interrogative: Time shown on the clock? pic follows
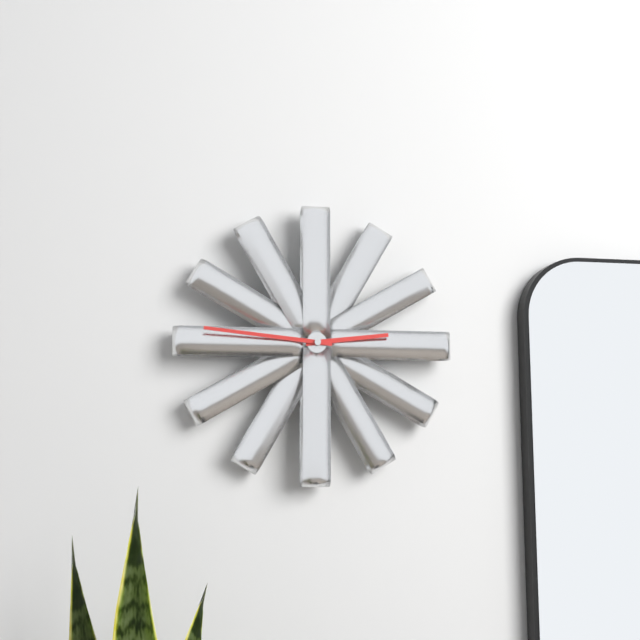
2:46
